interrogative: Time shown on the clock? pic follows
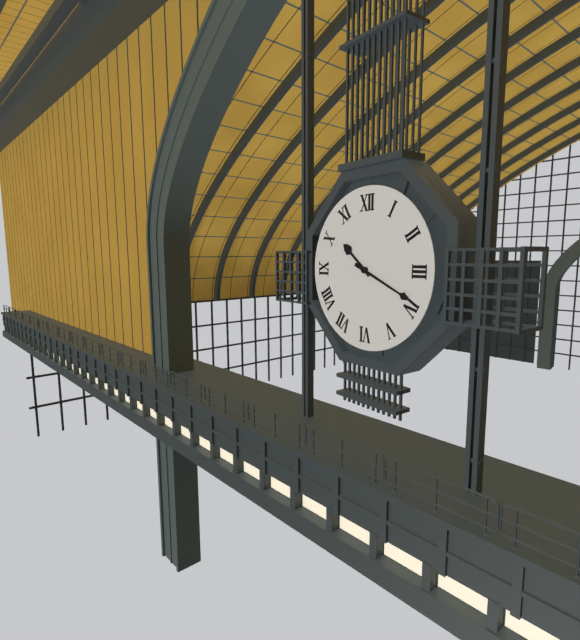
10:19
